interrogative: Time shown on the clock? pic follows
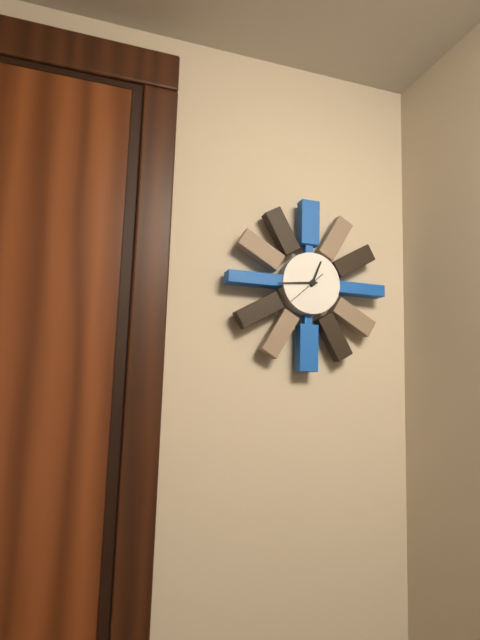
12:44
